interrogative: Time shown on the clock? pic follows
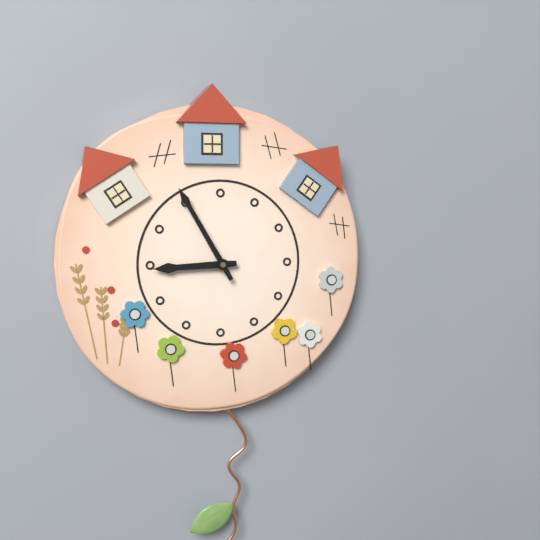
8:55
